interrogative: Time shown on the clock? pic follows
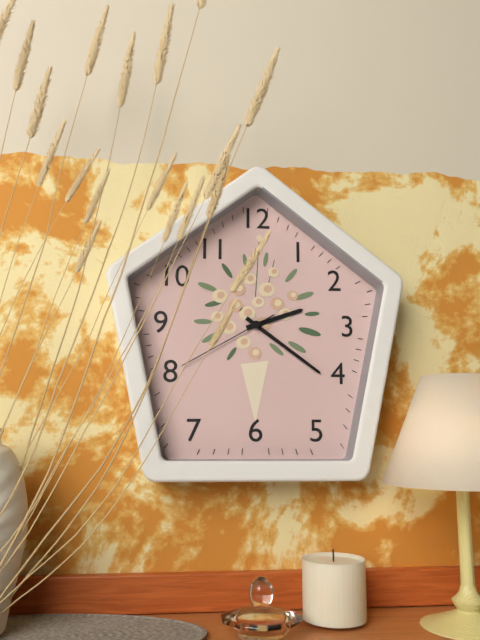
2:21:40
